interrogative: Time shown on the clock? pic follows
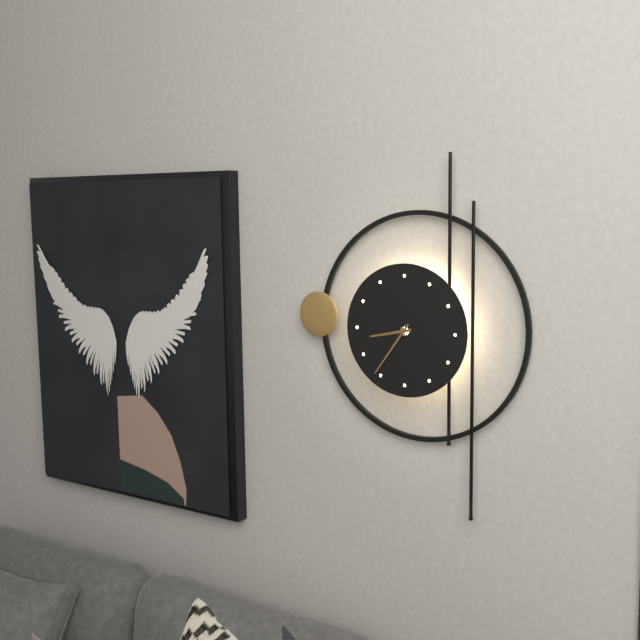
8:36
